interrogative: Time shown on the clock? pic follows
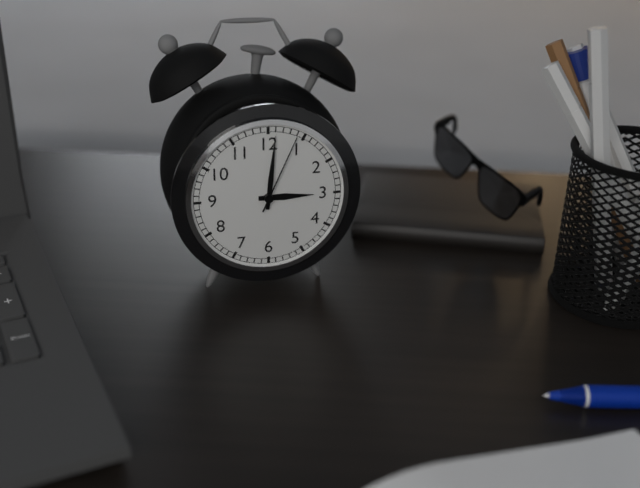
3:01:04
